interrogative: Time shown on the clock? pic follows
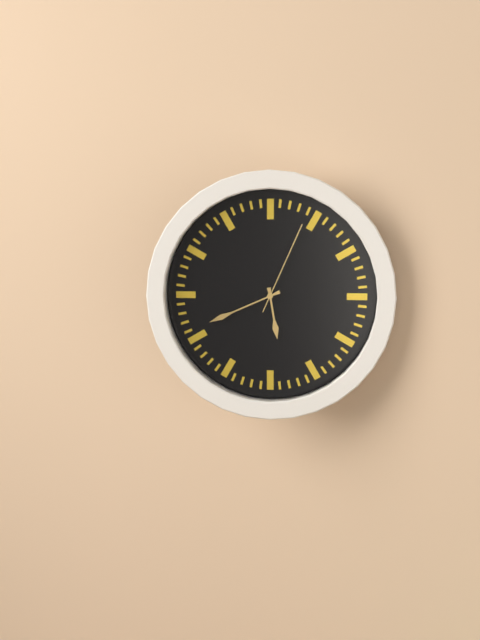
5:41:04
